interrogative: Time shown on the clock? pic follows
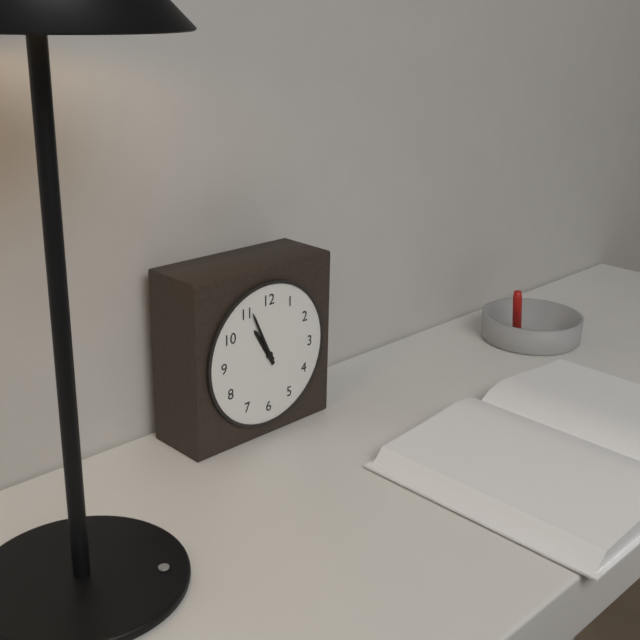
10:56
